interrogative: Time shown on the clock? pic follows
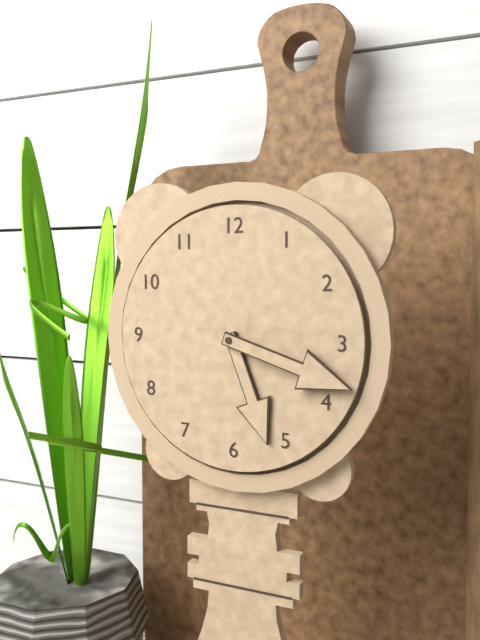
5:18
